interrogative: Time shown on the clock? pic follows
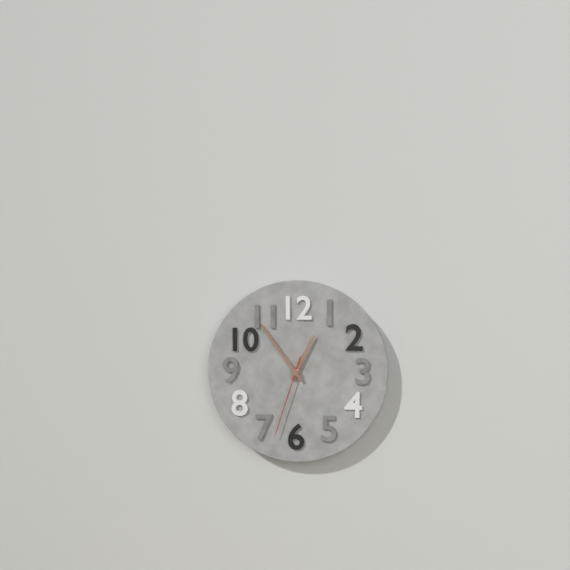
12:54:33
